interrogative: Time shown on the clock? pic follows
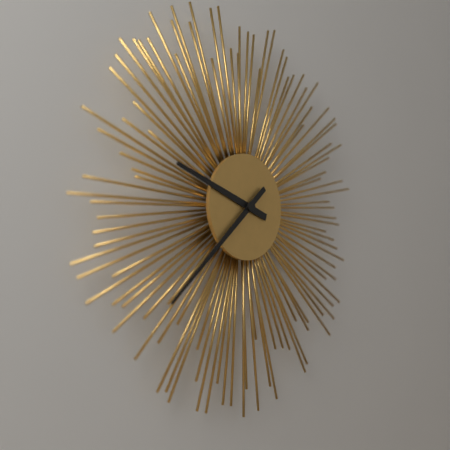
9:38
